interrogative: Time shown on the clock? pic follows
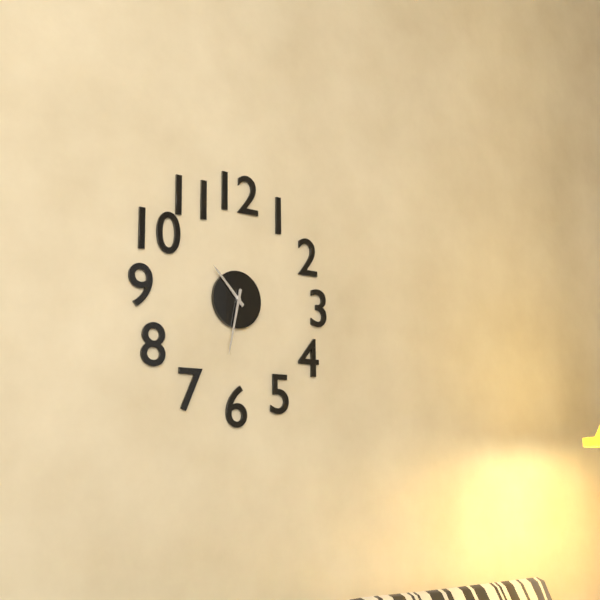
10:32
